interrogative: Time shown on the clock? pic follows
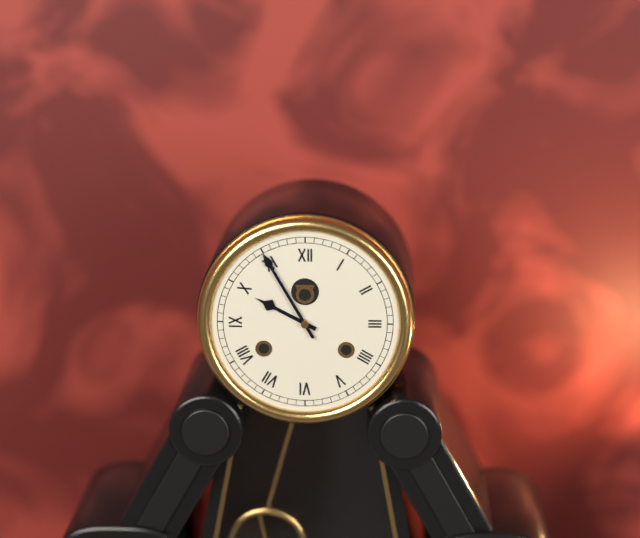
9:55
